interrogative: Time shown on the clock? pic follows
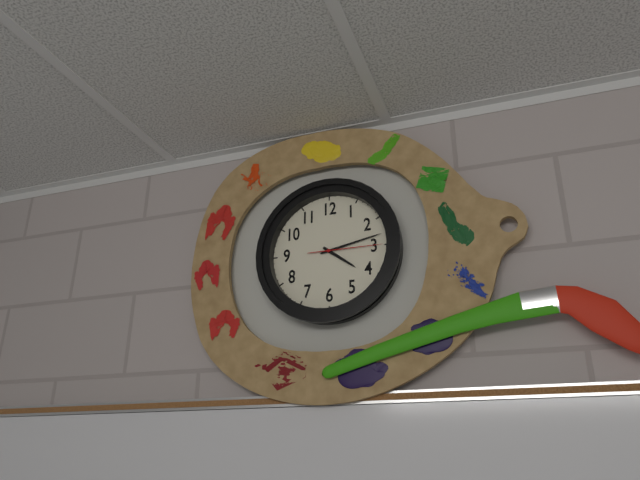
4:13:15
